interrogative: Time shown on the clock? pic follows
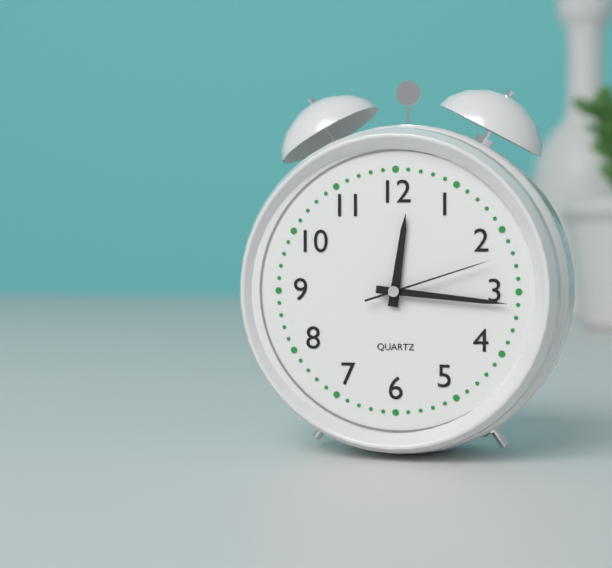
12:16:12
